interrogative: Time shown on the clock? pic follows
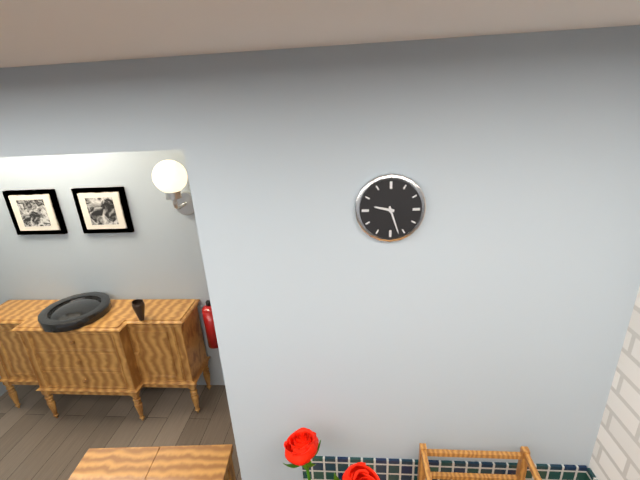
9:27
